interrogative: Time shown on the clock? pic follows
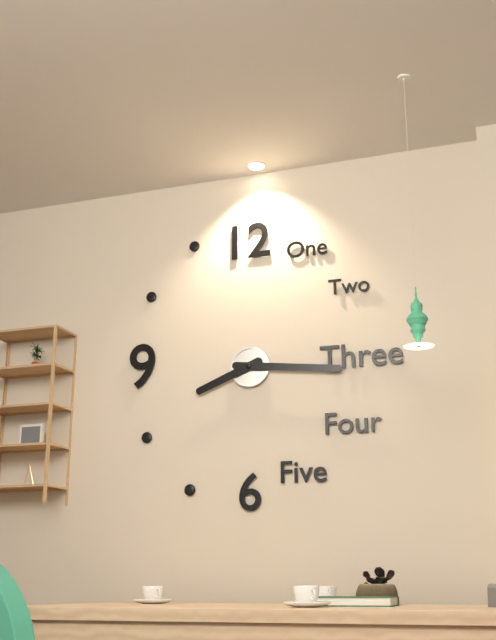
8:16
